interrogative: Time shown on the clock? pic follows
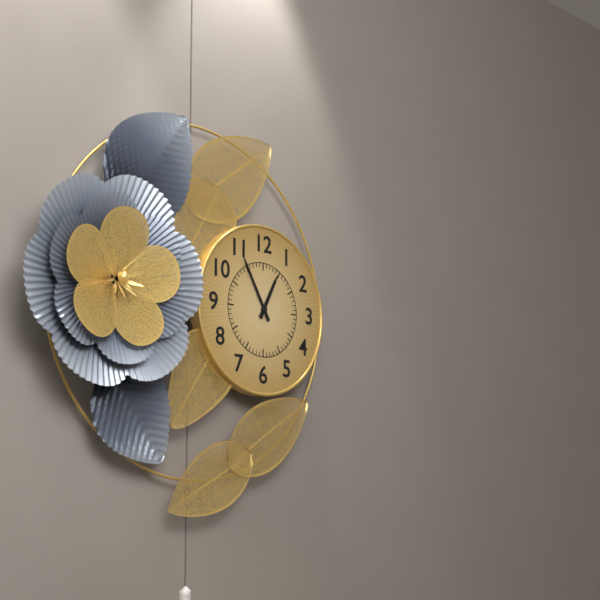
12:55
